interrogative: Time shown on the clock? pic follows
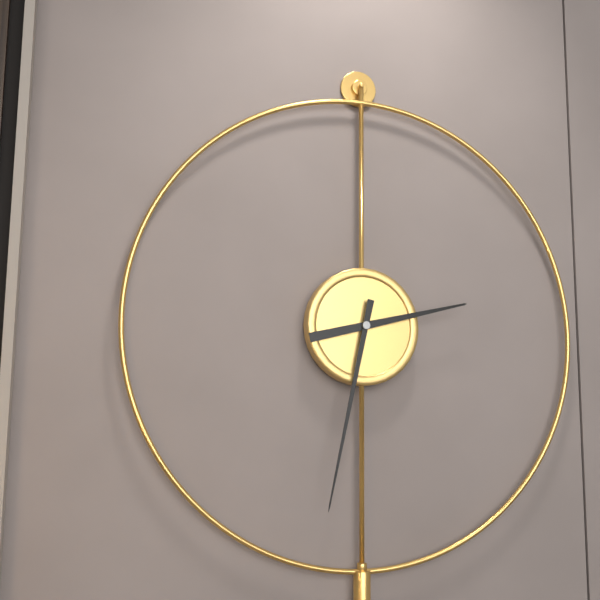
2:32
